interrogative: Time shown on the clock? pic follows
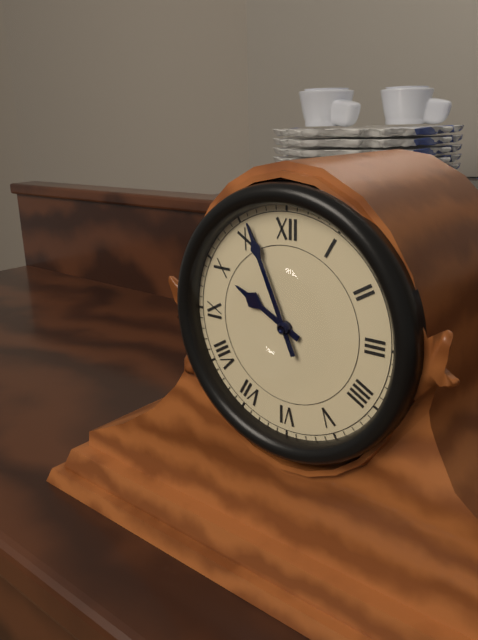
9:56
